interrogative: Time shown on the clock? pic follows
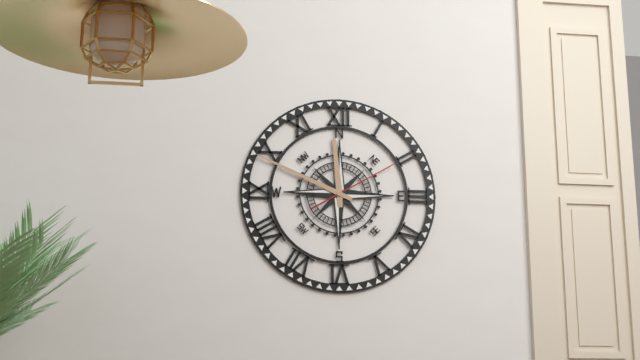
11:49:10
